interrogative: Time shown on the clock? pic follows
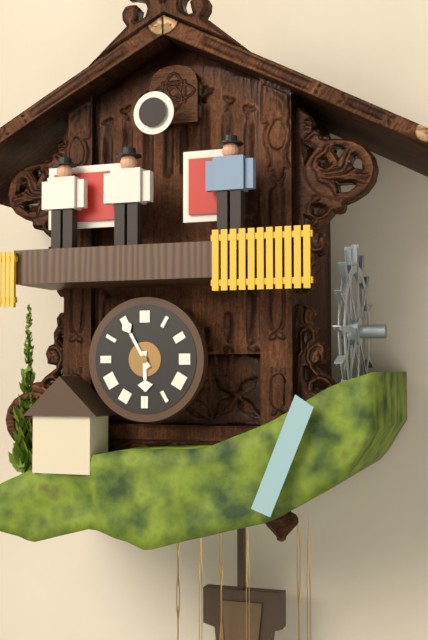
5:55
